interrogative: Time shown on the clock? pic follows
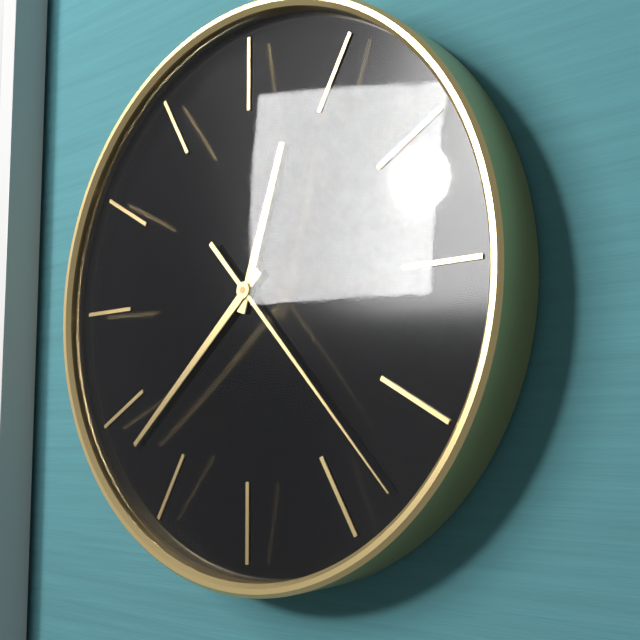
12:38:23
